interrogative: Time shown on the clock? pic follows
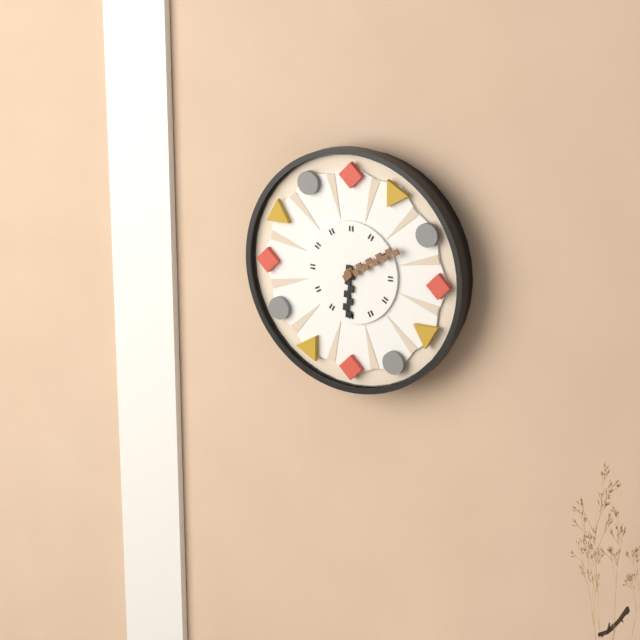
6:10
